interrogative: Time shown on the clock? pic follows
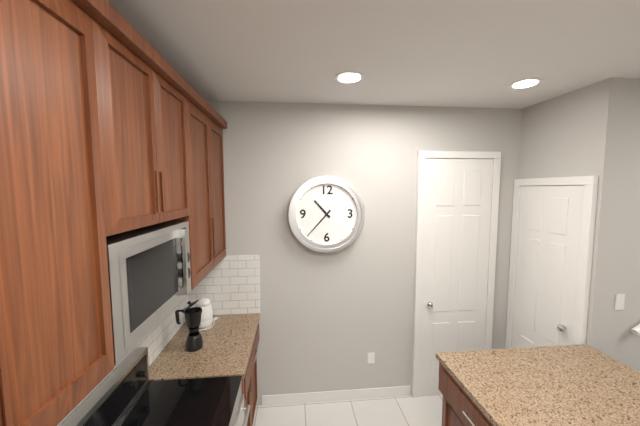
10:37
